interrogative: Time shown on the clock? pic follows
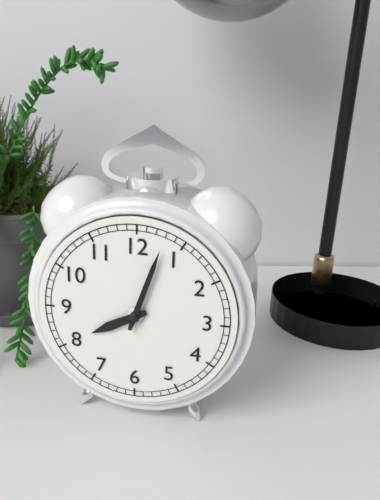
8:03
